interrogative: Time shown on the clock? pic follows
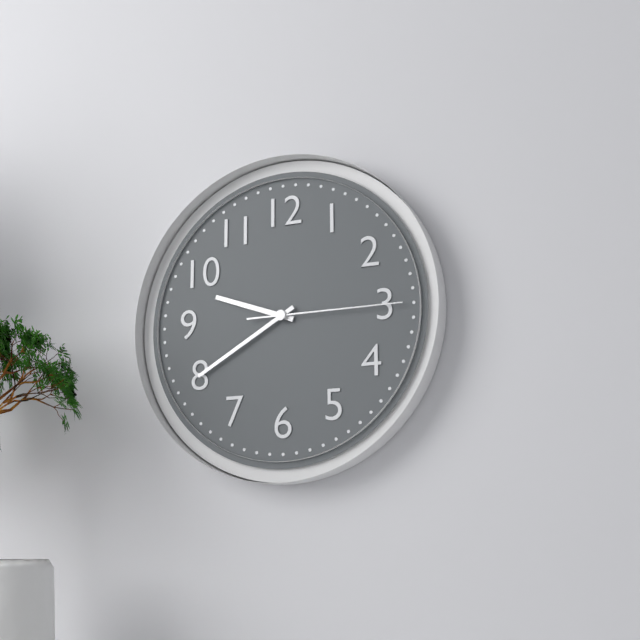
9:40:15
